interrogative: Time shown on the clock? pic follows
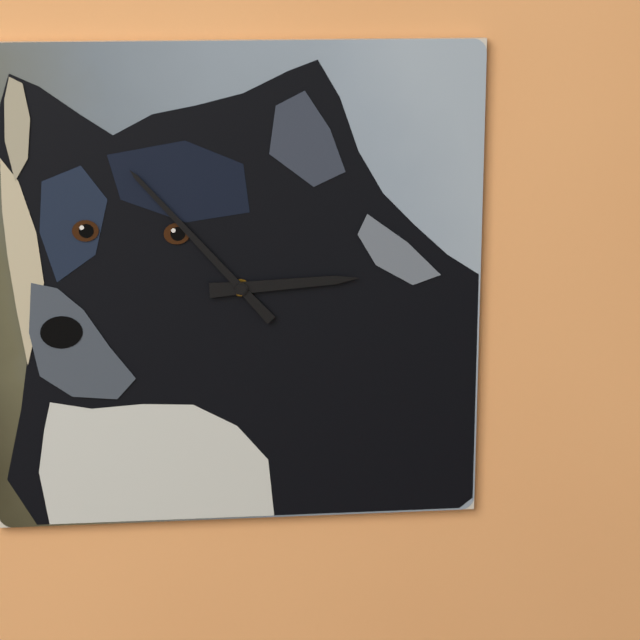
2:53
